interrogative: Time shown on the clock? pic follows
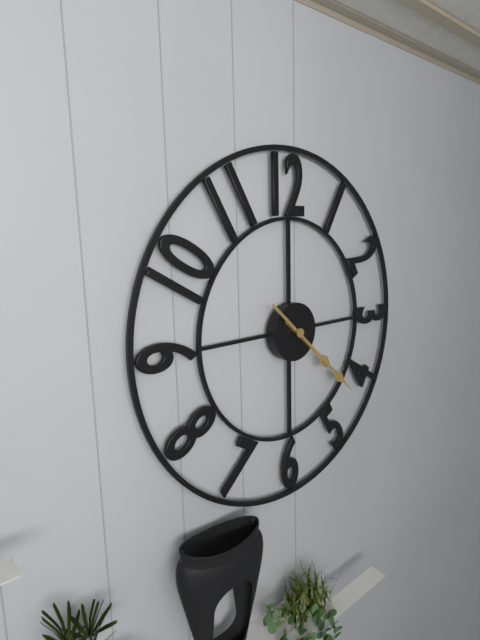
4:22
